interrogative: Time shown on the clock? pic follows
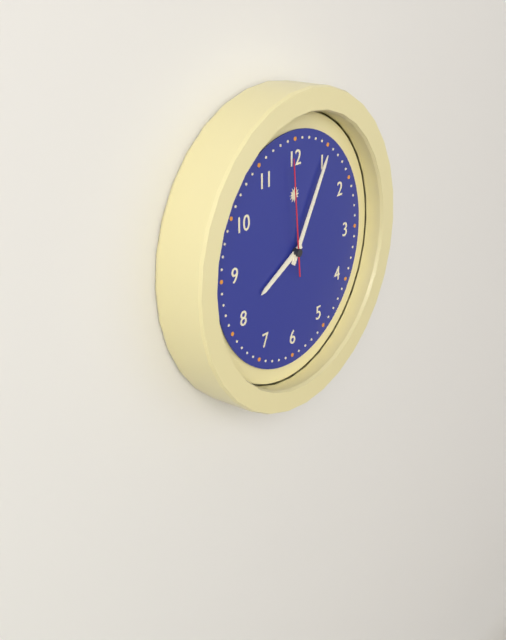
8:05:59
